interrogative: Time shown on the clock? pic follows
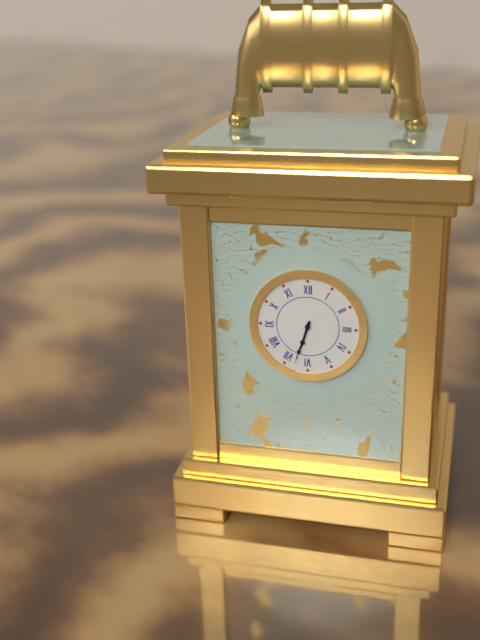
6:33
